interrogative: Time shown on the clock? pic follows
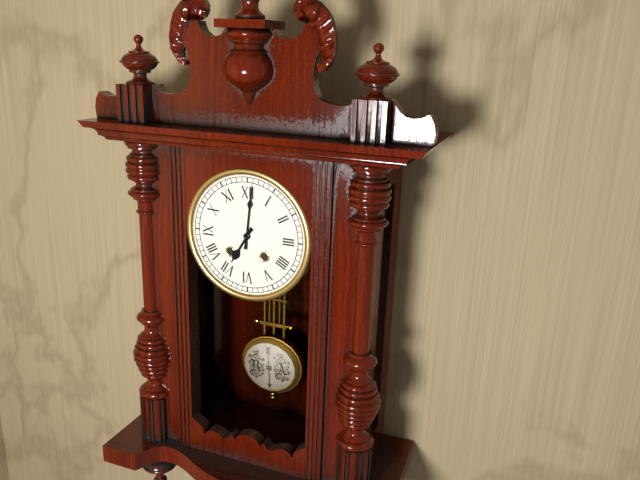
7:01
